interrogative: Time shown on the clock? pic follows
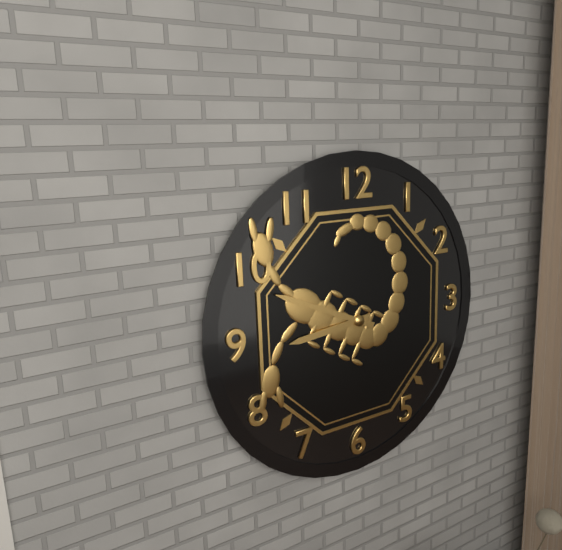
8:49
